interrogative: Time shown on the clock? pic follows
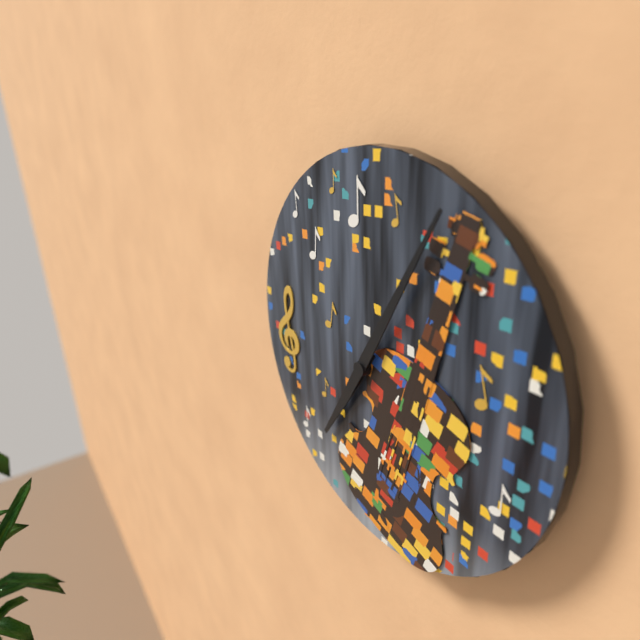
7:05
